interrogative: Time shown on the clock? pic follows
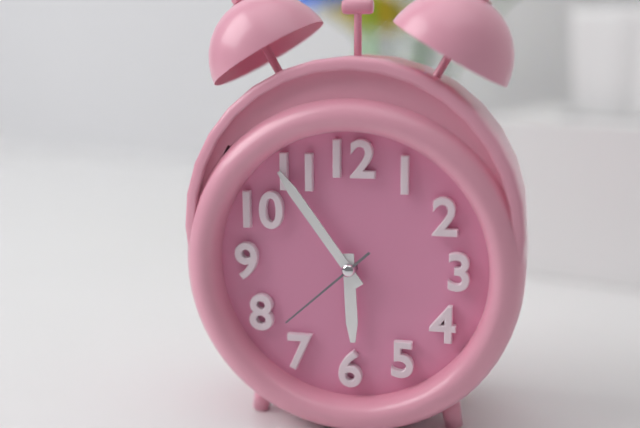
5:54:38
